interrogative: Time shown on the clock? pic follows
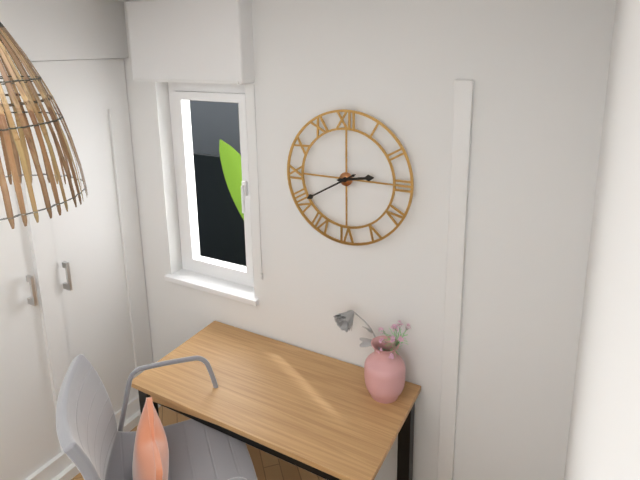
2:40
